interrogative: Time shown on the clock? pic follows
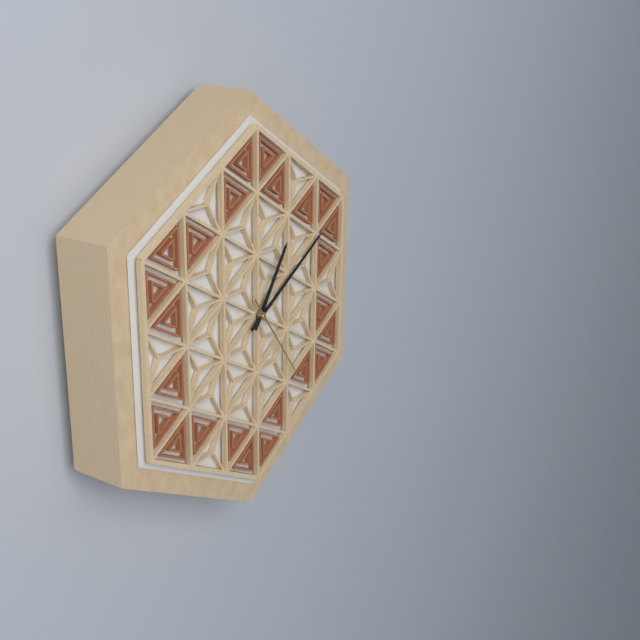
1:10:24
